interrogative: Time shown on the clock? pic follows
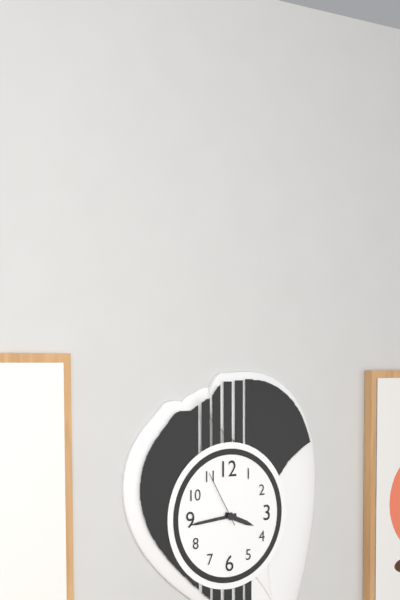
3:44:55
